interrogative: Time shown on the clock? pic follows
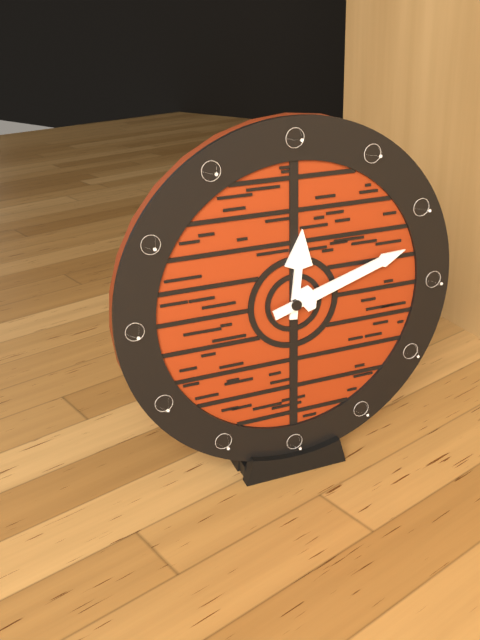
12:12
